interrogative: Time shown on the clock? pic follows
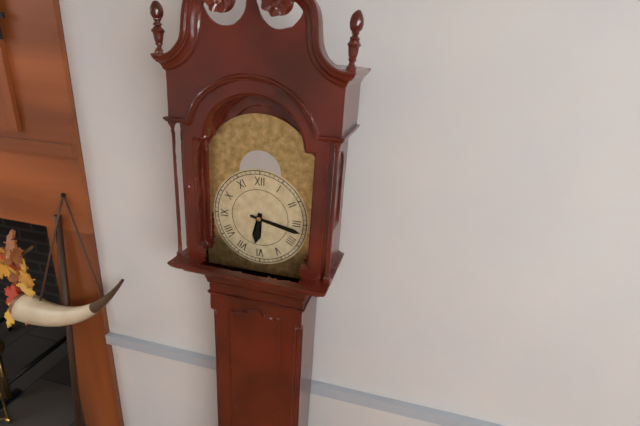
6:17
